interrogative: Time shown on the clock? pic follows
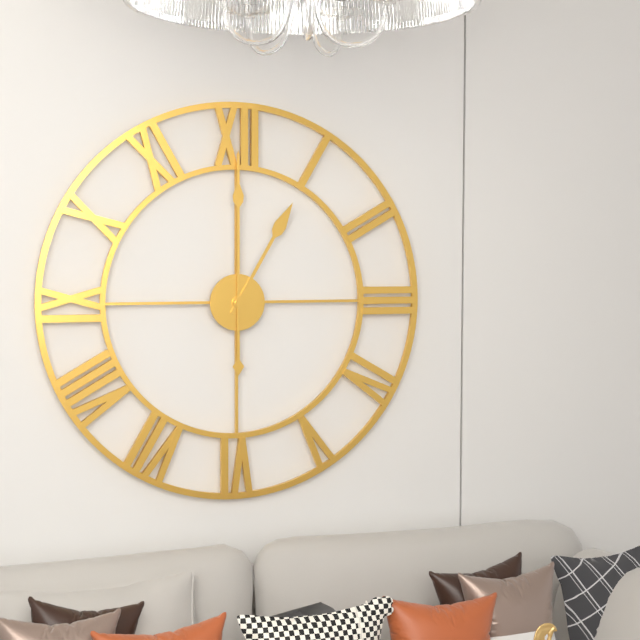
1:00
